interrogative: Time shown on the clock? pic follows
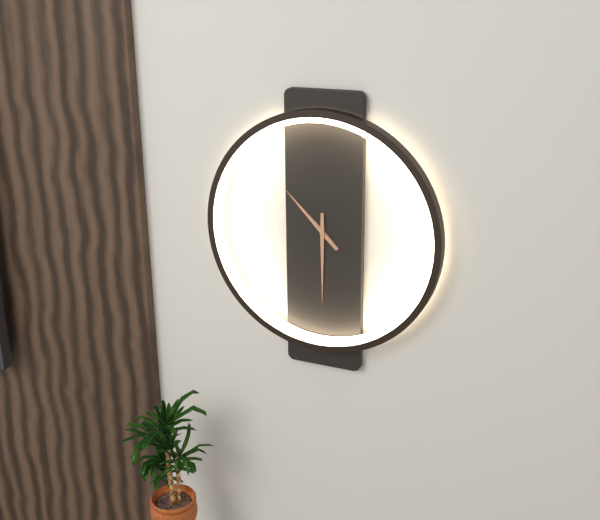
10:30
